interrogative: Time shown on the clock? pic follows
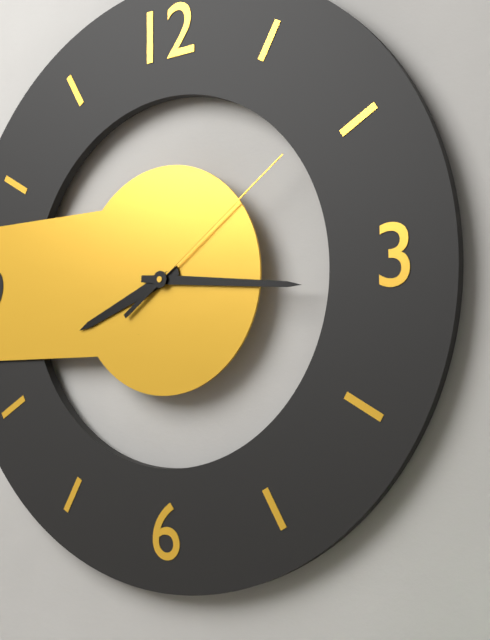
8:16:09
